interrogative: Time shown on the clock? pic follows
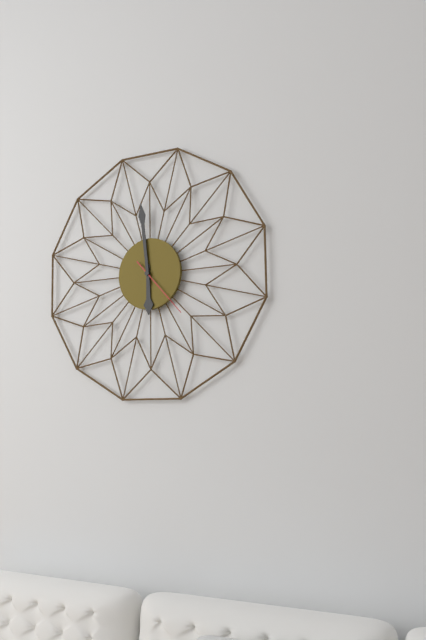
5:59:23
